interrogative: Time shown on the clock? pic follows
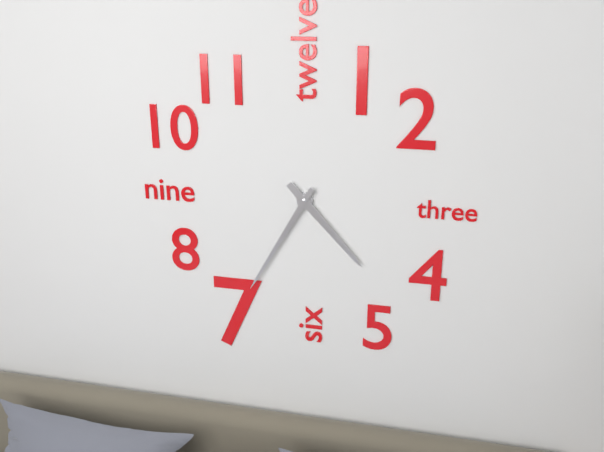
4:35
